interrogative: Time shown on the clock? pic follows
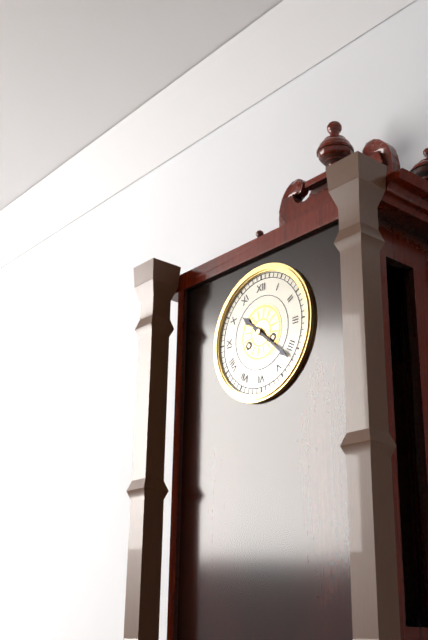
10:22
